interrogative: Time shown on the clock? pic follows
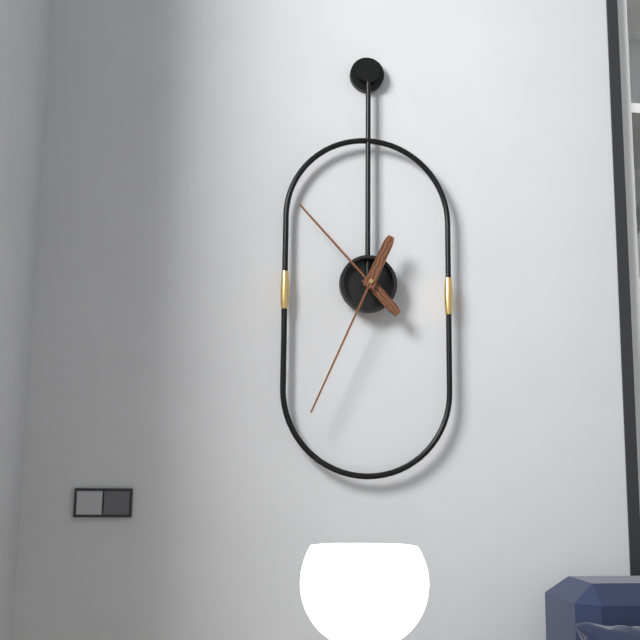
10:34
